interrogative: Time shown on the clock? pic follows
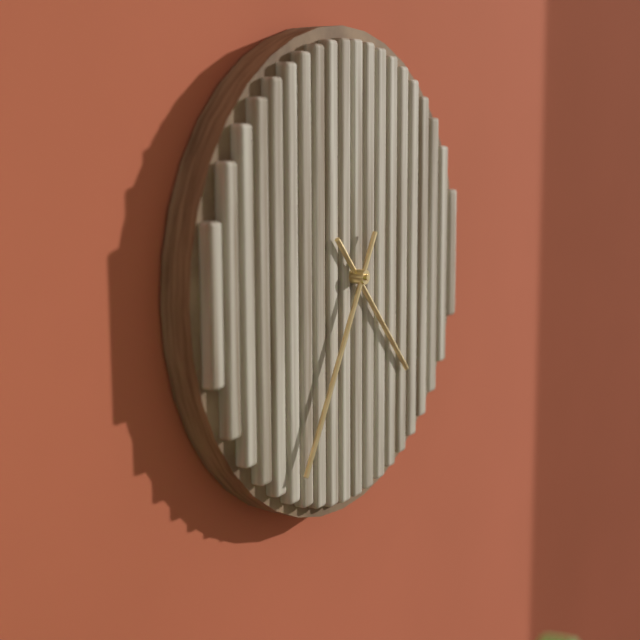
4:35
